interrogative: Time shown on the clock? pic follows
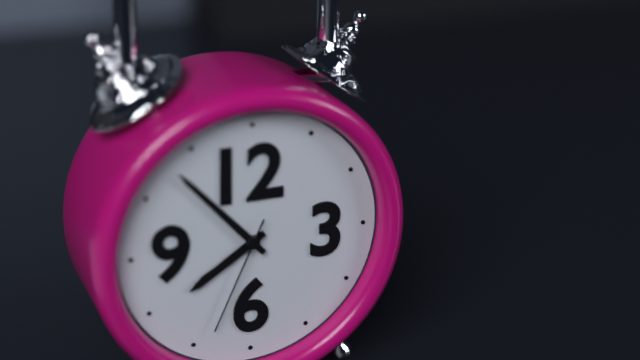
7:53:34
